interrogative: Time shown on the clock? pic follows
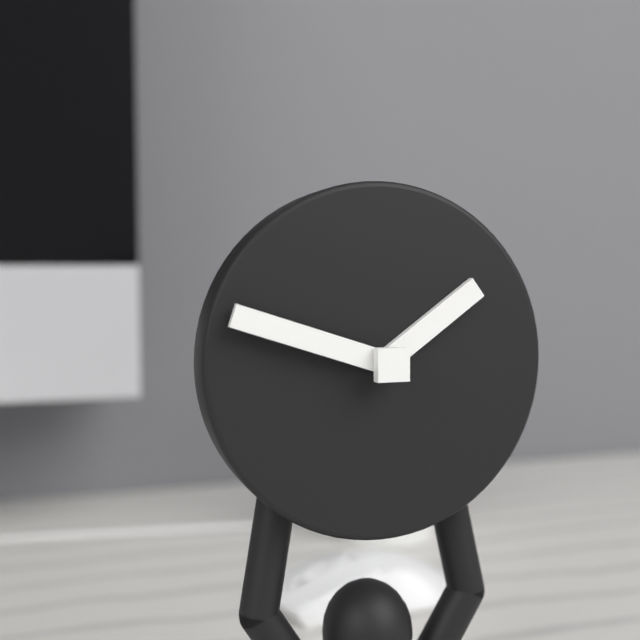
1:48
